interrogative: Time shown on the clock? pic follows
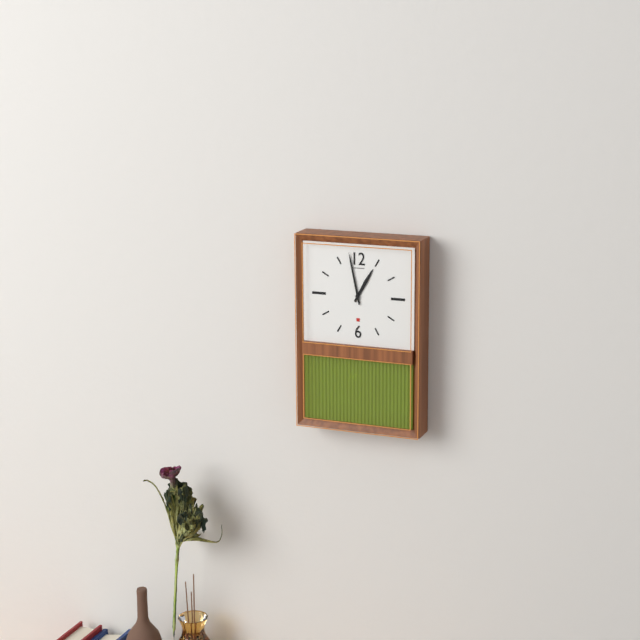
12:58
